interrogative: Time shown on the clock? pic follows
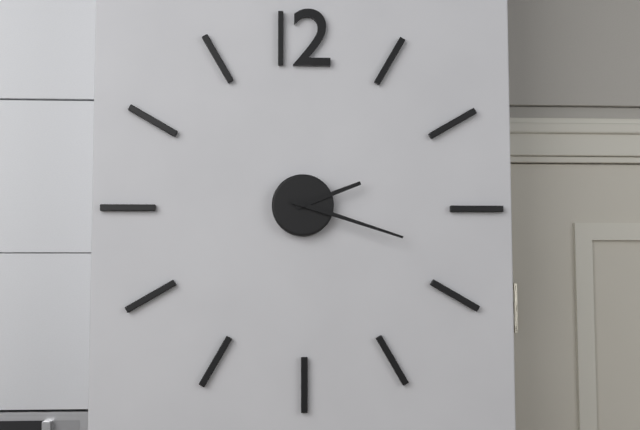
2:18
